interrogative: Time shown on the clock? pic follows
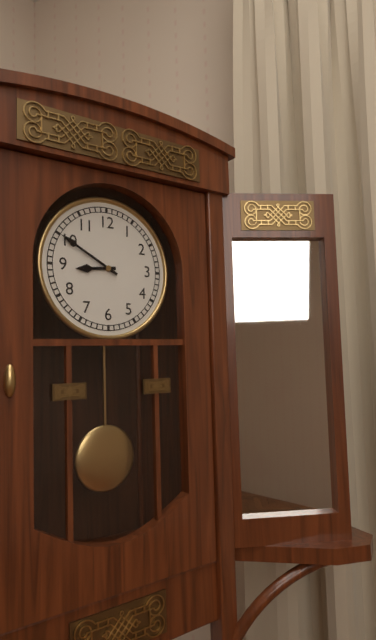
8:50
